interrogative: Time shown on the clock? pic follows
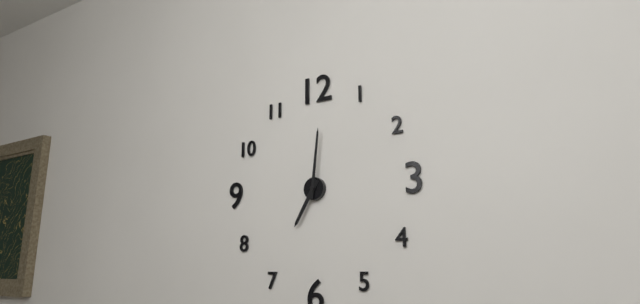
7:01
